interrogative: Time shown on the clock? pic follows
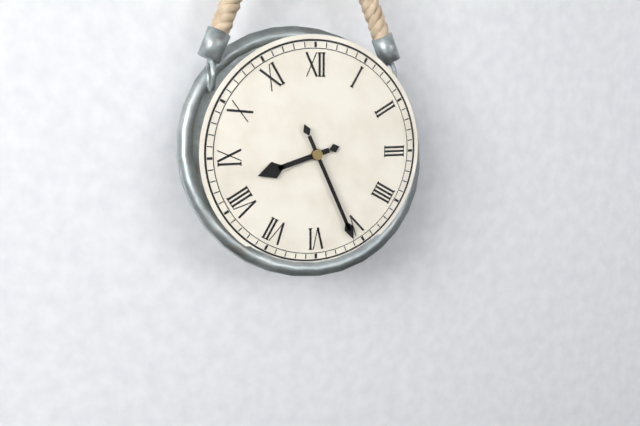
8:26
